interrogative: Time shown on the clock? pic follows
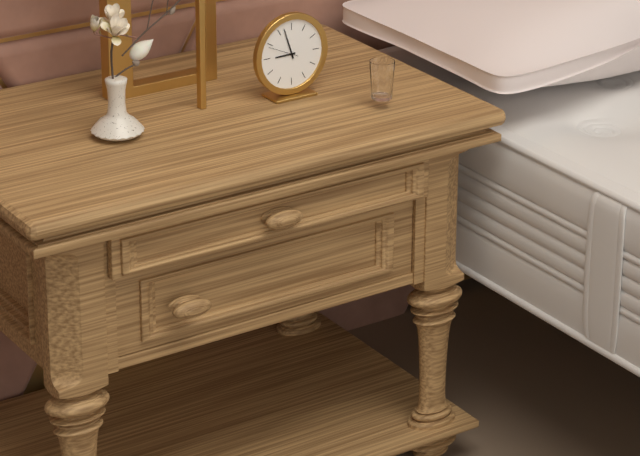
8:57
